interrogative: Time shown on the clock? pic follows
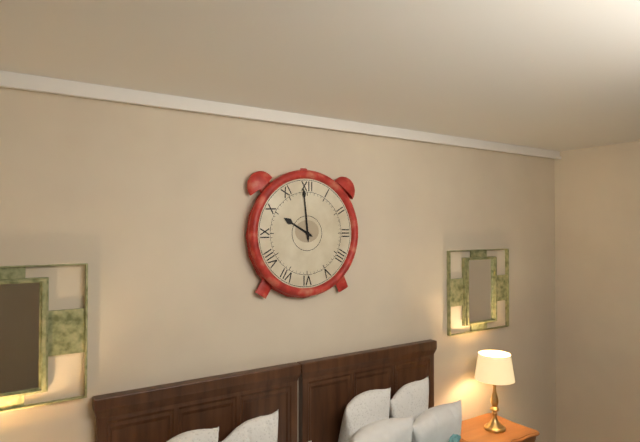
9:59
